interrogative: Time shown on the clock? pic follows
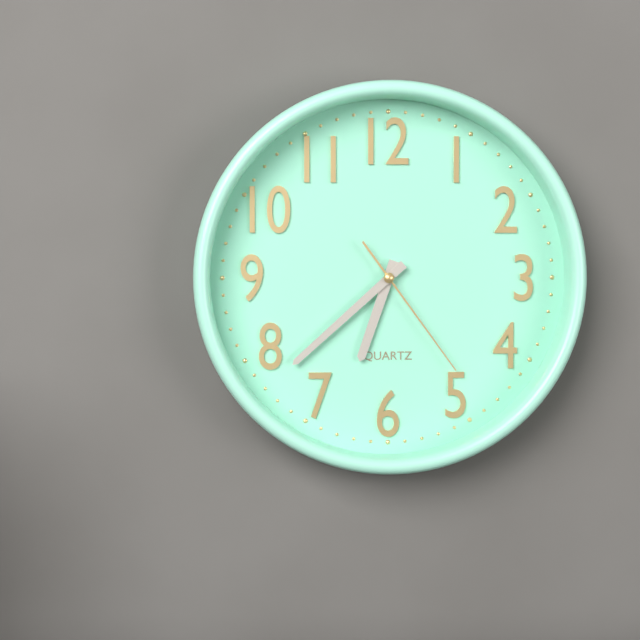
6:38:24
